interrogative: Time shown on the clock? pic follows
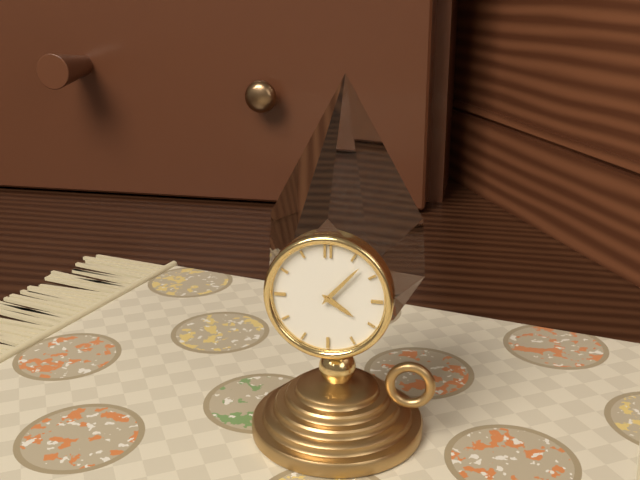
4:07
